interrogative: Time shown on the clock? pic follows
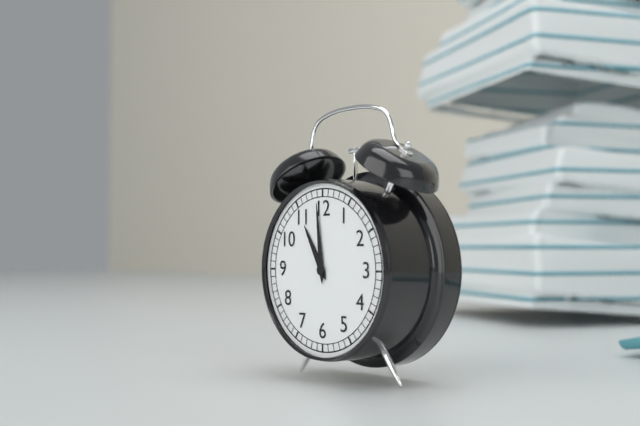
10:59
